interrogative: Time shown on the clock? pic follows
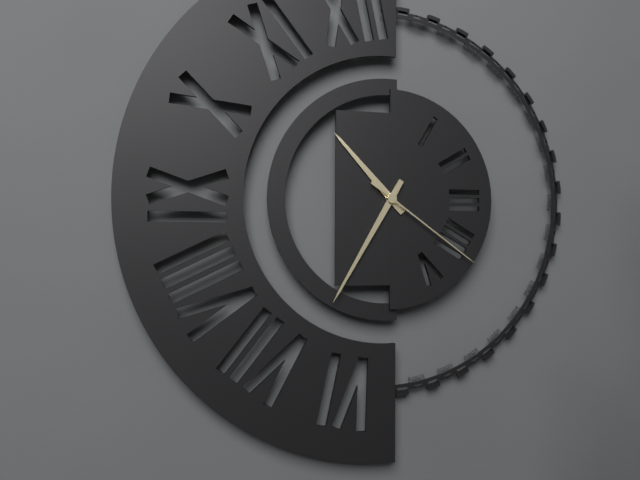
10:35:21
